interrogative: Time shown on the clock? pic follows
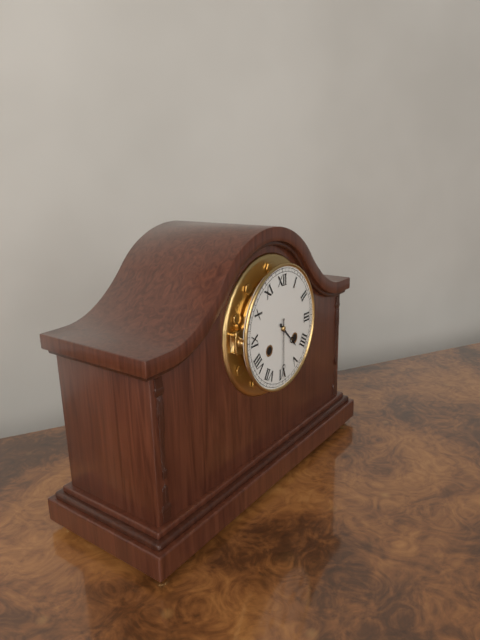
4:30
